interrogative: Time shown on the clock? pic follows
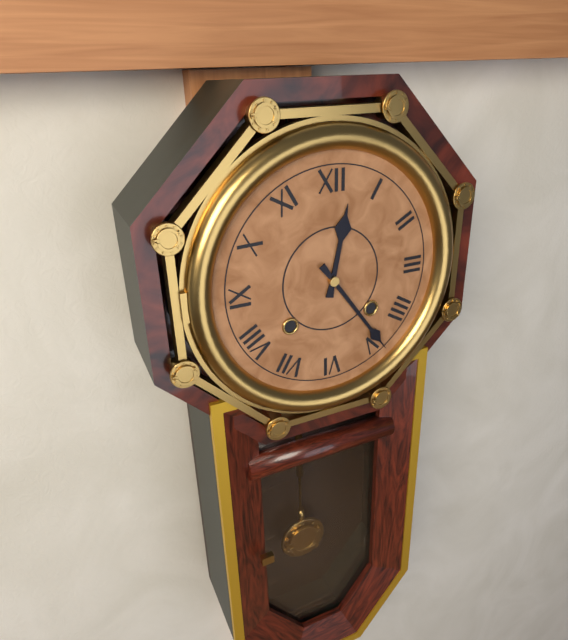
12:24
